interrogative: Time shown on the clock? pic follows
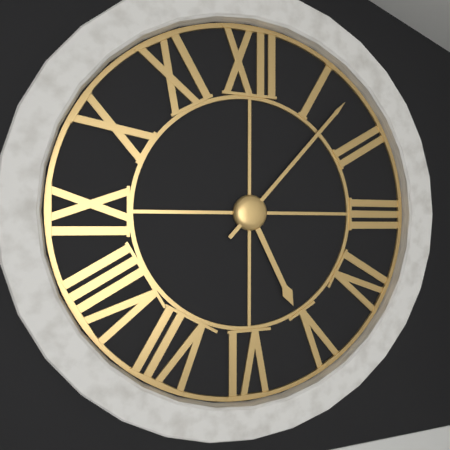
5:07
